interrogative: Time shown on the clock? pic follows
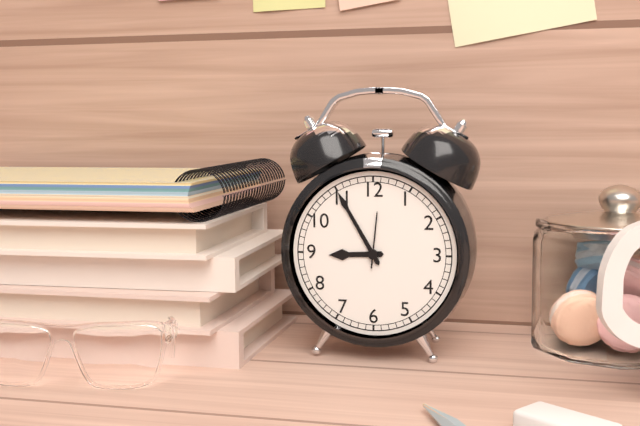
8:55:01
